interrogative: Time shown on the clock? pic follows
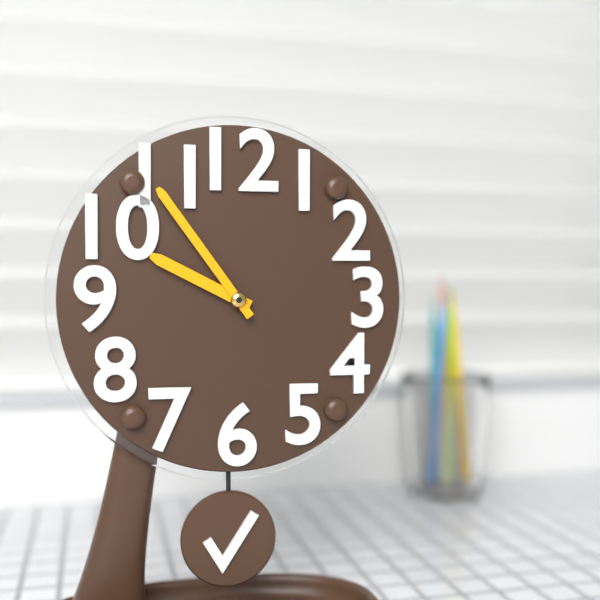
9:54
